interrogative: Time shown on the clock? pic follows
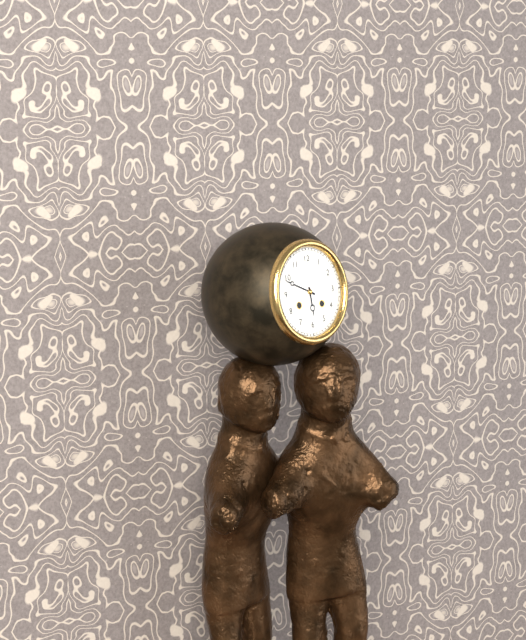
5:49
